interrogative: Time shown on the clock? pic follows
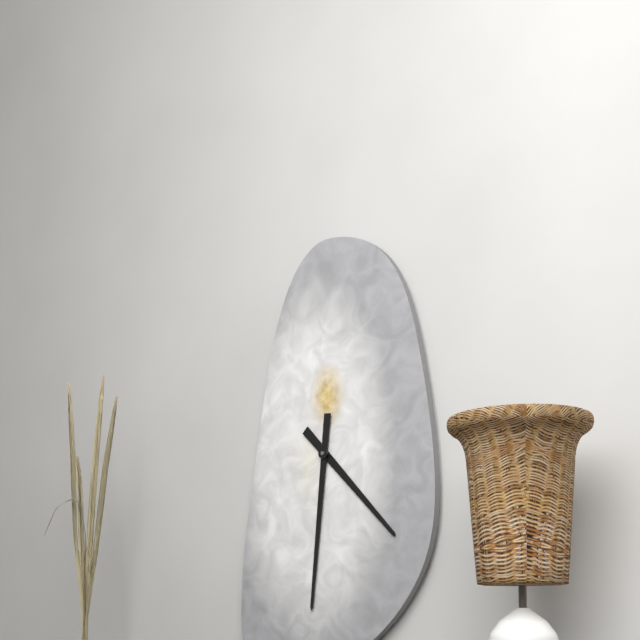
4:31
